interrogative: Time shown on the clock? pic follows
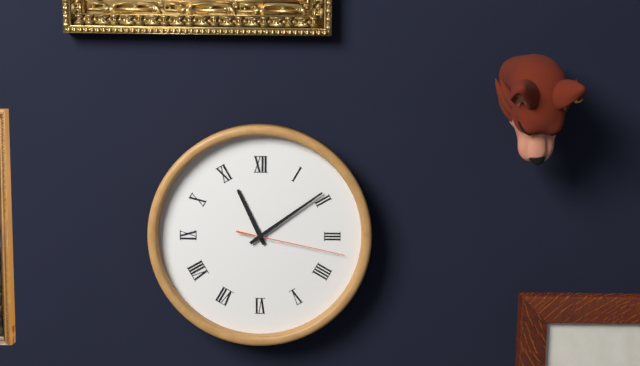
11:09:17
